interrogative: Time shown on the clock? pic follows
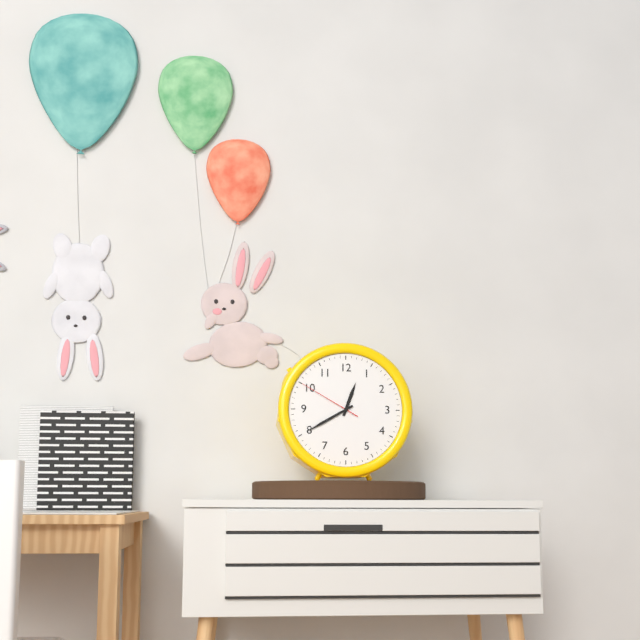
12:40:50
